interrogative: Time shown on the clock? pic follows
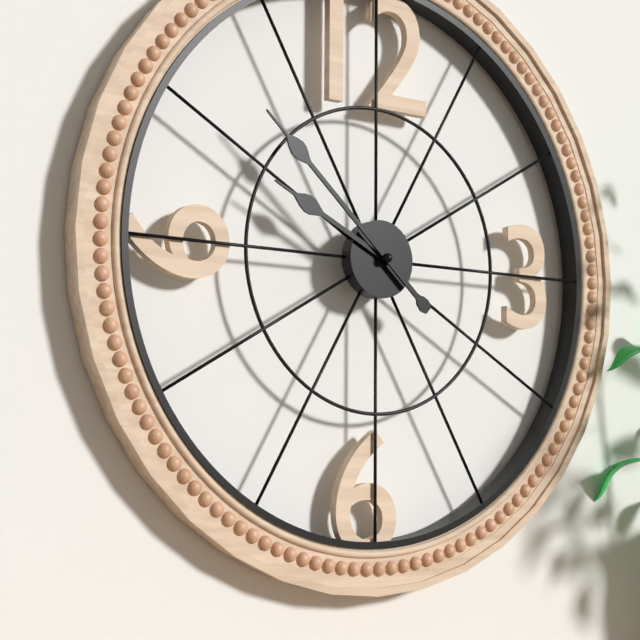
9:52
